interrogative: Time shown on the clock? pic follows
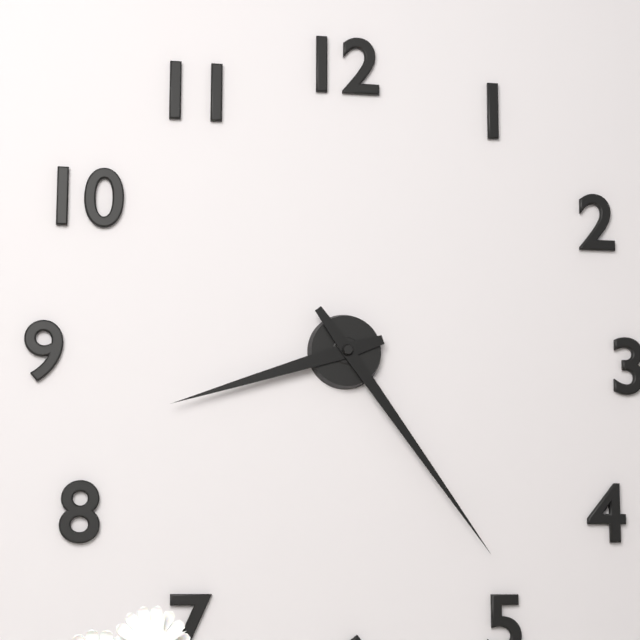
8:24
